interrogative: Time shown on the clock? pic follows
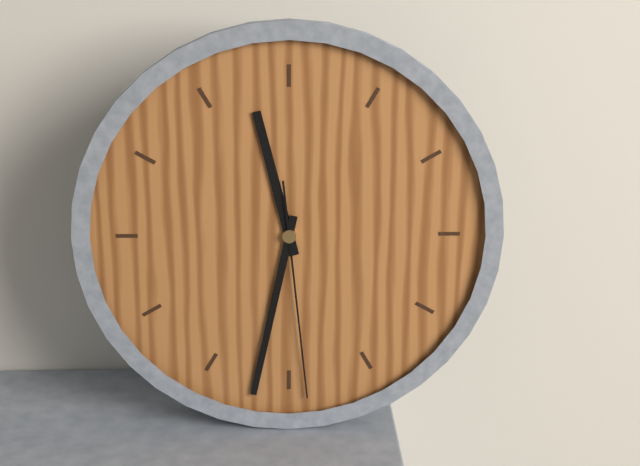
11:32:29
